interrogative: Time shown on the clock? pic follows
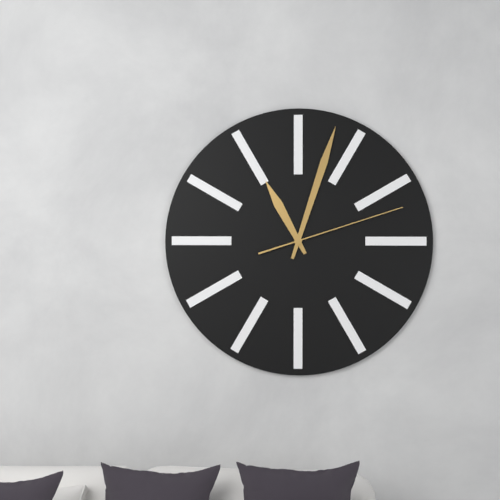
11:03:12
